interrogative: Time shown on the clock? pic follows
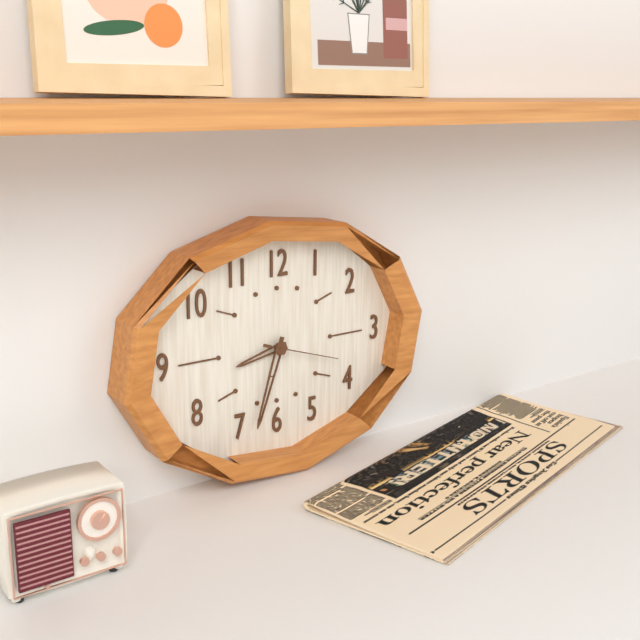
8:33:18
